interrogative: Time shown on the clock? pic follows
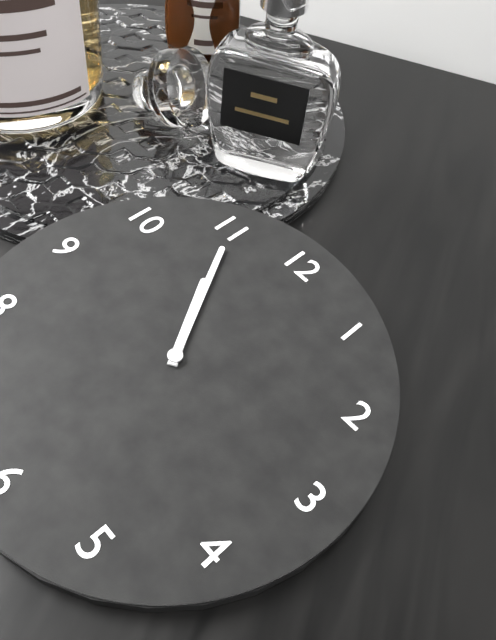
10:55
